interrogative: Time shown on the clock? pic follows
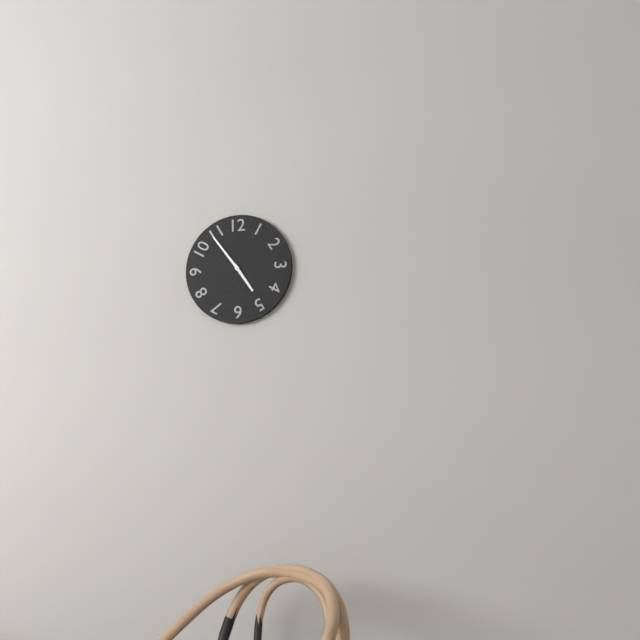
4:54
